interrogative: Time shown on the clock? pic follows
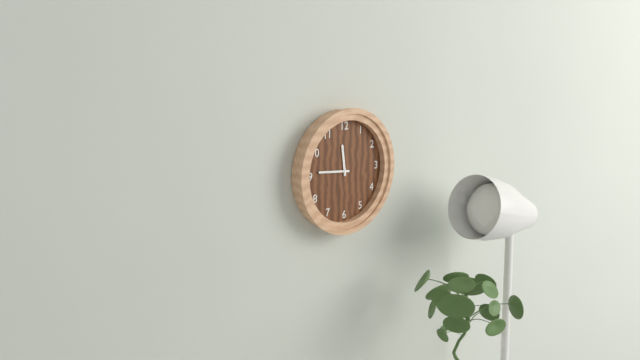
11:46
